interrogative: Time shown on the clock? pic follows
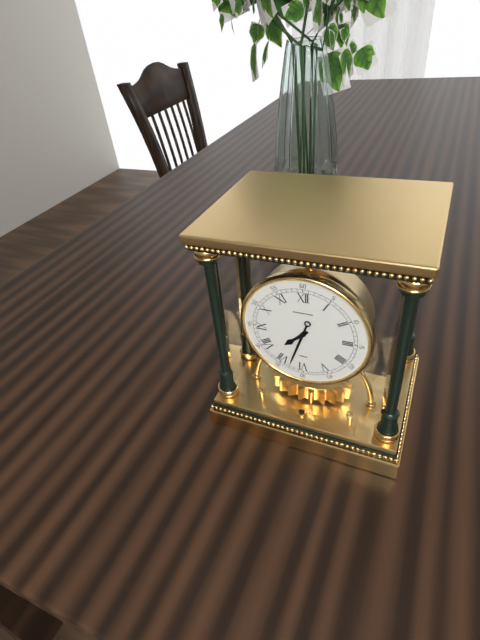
7:33
